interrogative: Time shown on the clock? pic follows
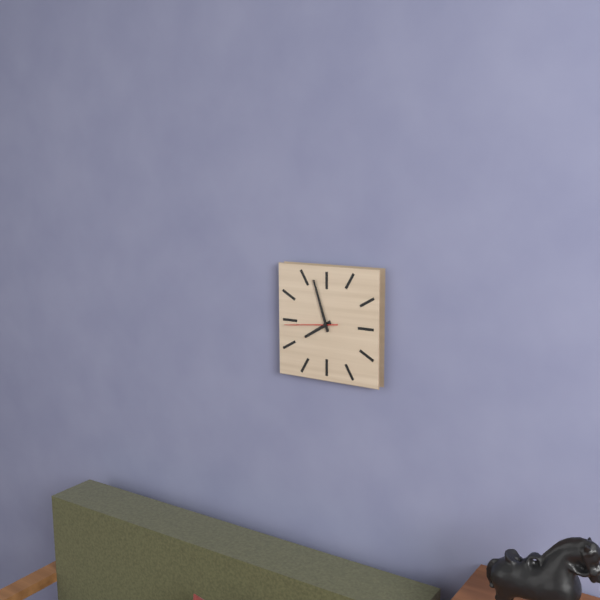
7:57:44
